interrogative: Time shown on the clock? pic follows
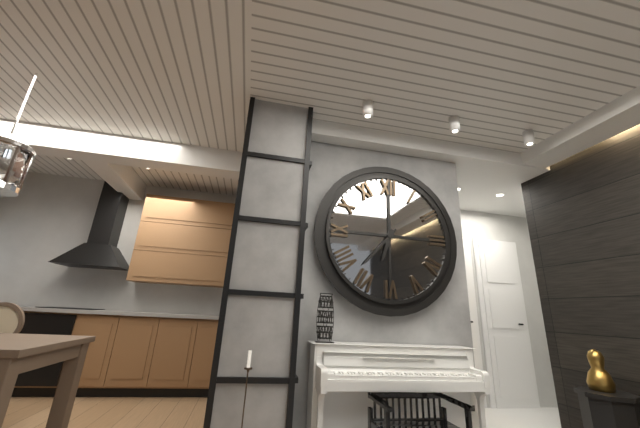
6:37
